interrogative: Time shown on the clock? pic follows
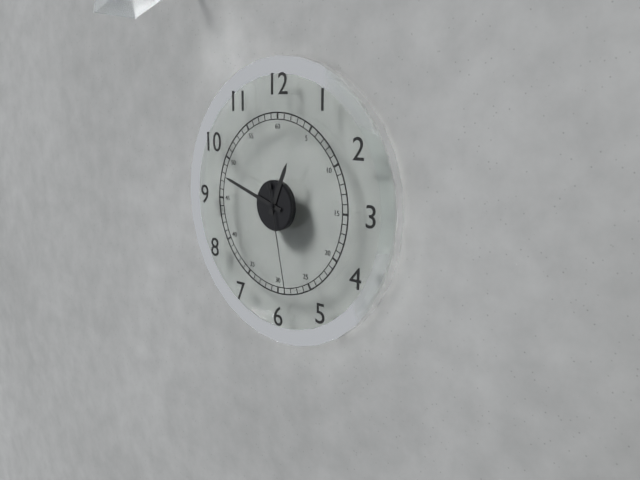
12:48:28
